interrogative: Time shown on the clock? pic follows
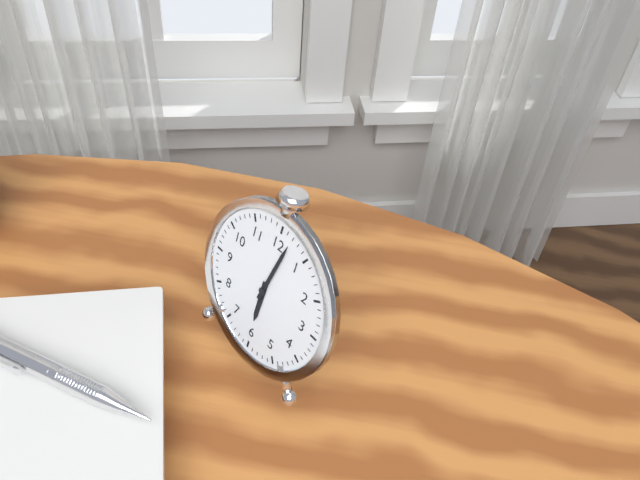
6:02
